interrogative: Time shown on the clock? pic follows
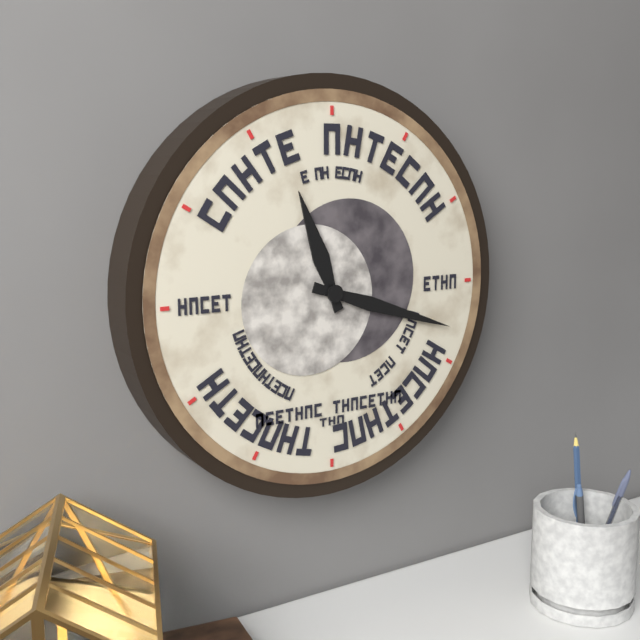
11:18
